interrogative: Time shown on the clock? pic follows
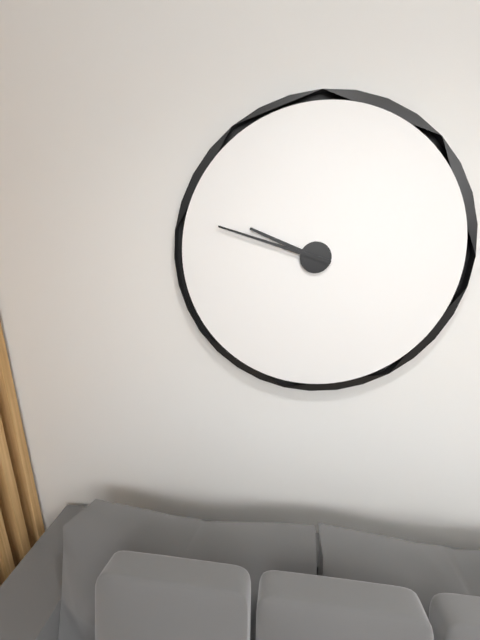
9:48
